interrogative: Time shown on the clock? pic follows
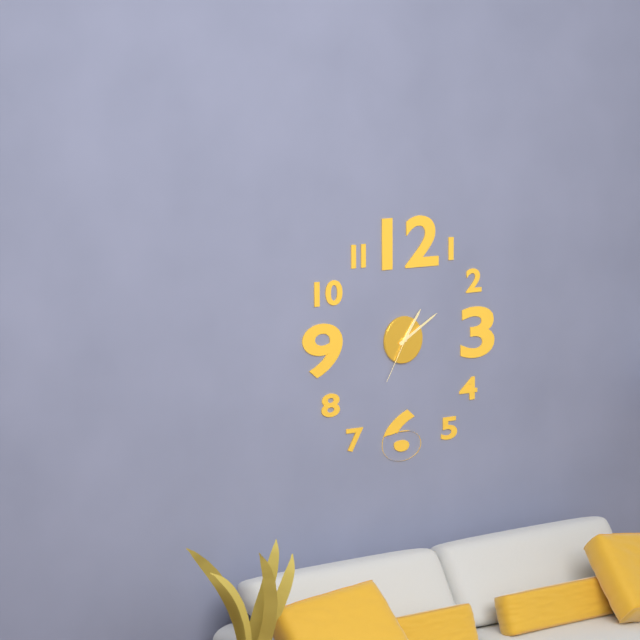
1:10:35
